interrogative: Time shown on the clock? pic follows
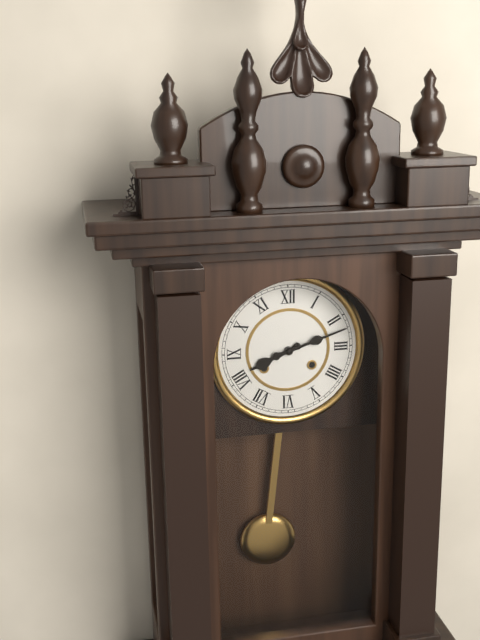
8:12
